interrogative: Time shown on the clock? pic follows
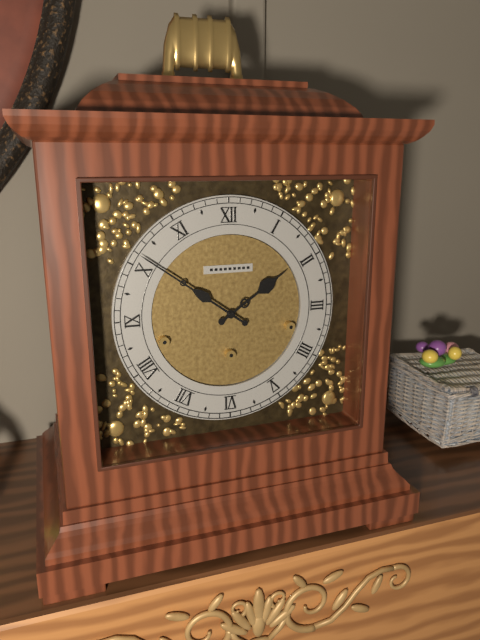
1:51
